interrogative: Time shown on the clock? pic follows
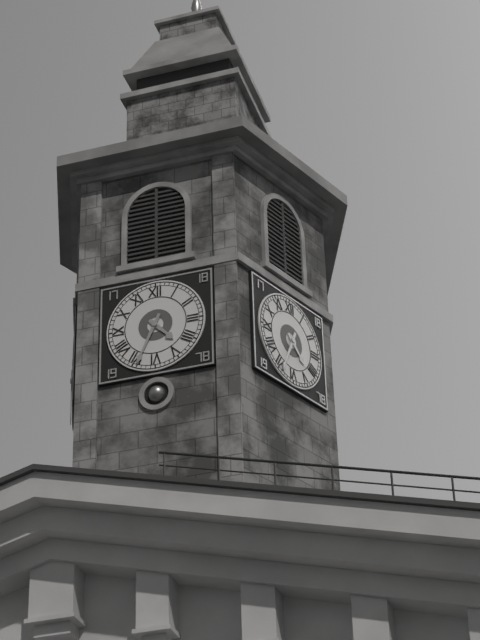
4:34
